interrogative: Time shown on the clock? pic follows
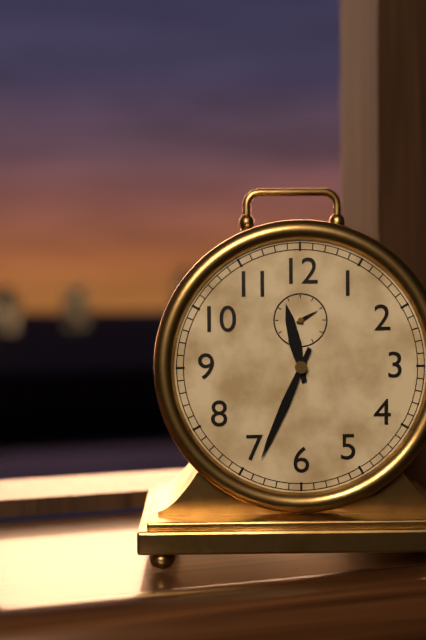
11:34
